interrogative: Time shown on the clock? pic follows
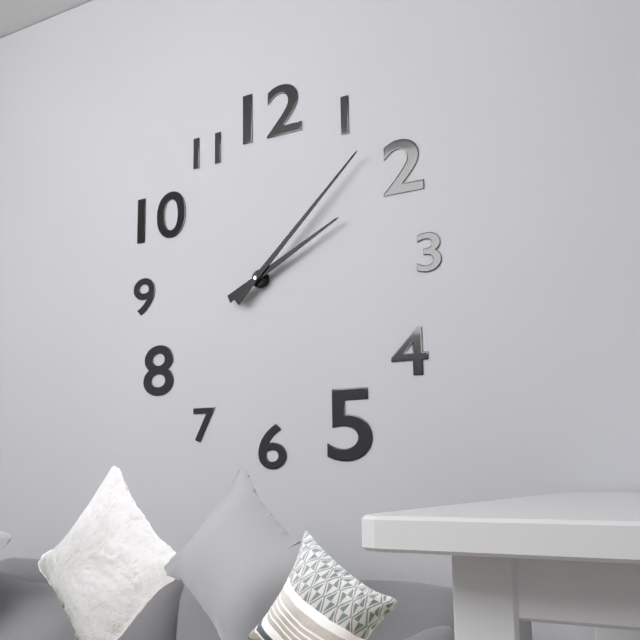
2:08
